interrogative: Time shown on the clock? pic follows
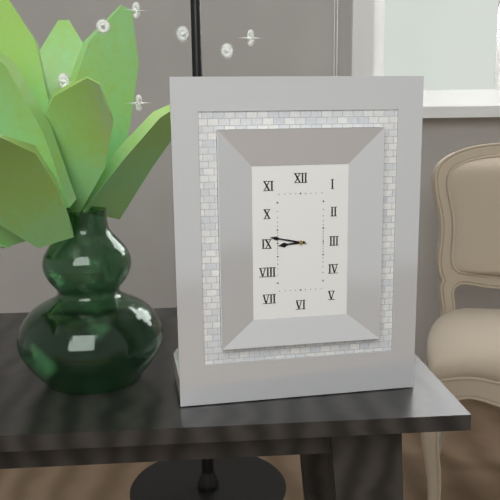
8:47
